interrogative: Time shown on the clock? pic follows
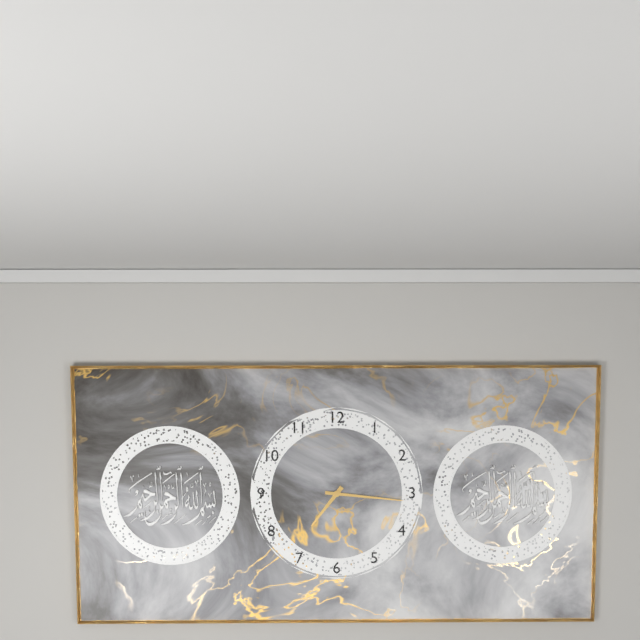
7:16
